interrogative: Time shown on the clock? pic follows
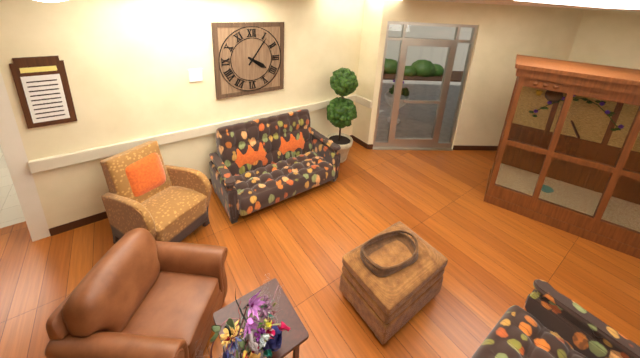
4:06
